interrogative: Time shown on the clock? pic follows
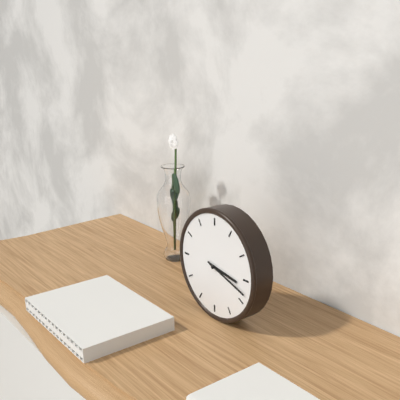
3:18
